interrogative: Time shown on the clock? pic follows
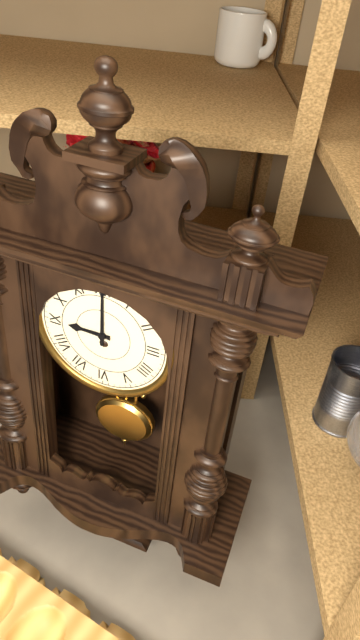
9:00
